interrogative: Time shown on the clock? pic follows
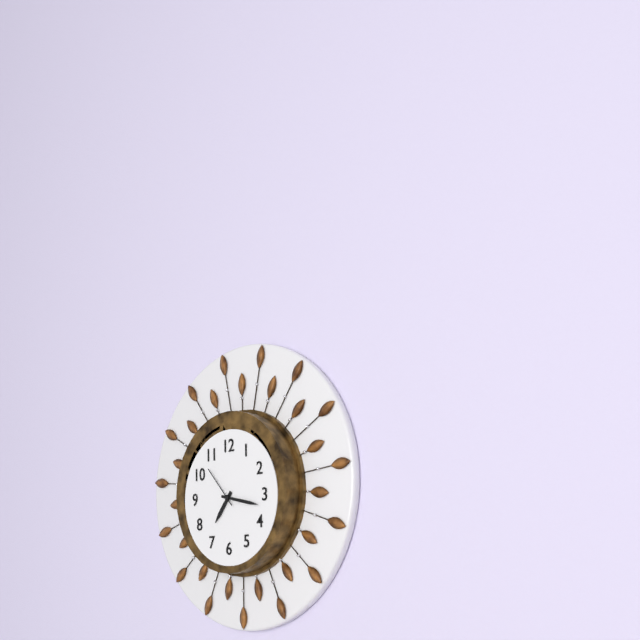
7:17
